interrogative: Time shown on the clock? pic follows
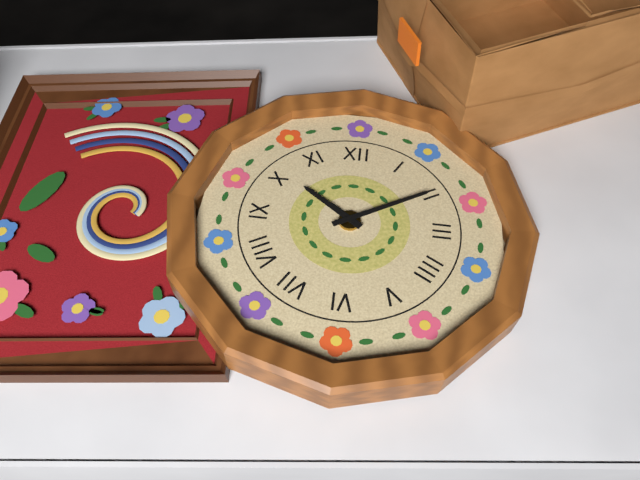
10:10
